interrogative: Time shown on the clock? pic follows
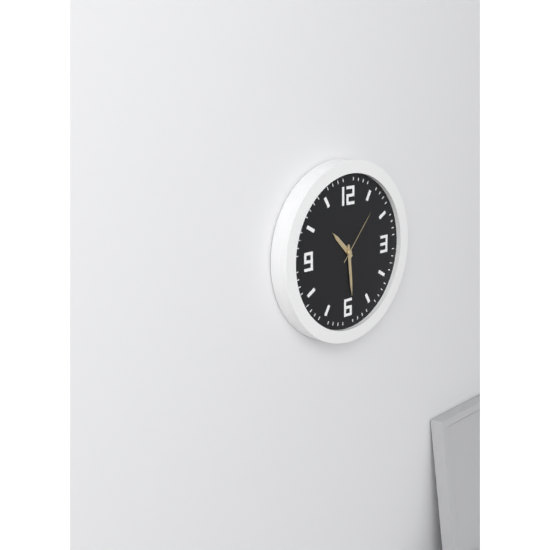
10:29:07
